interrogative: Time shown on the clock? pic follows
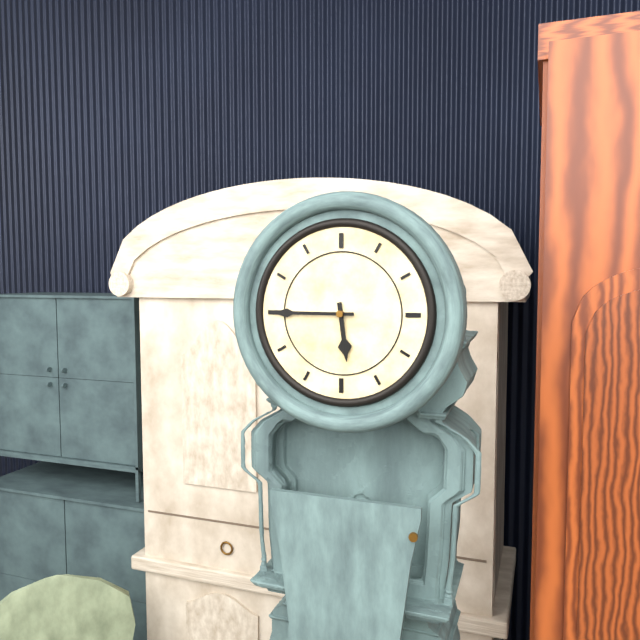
5:45
